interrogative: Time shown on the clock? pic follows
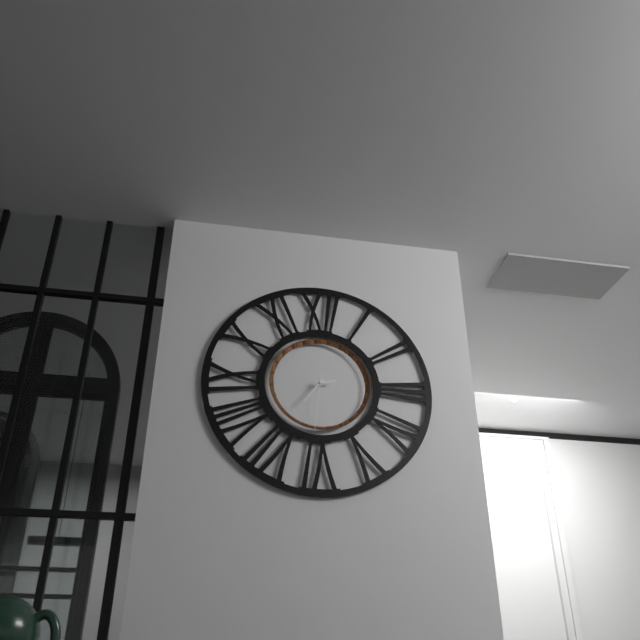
2:36:31
